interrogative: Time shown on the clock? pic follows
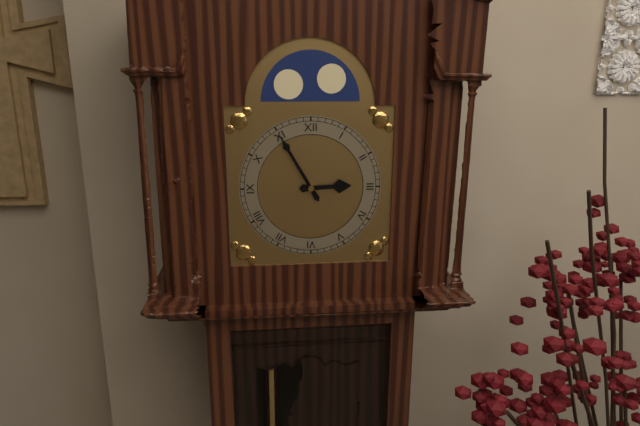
2:55
